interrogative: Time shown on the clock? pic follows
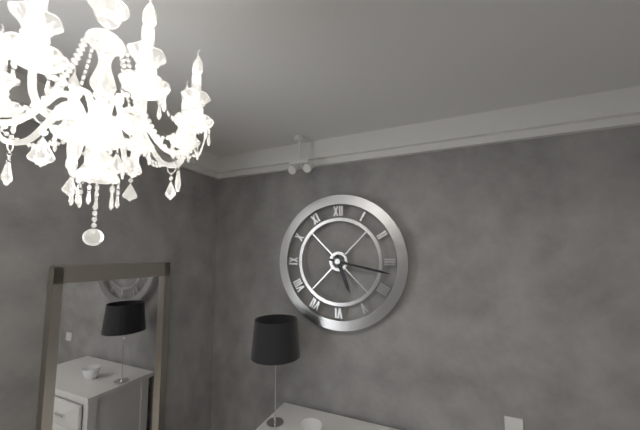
5:17
